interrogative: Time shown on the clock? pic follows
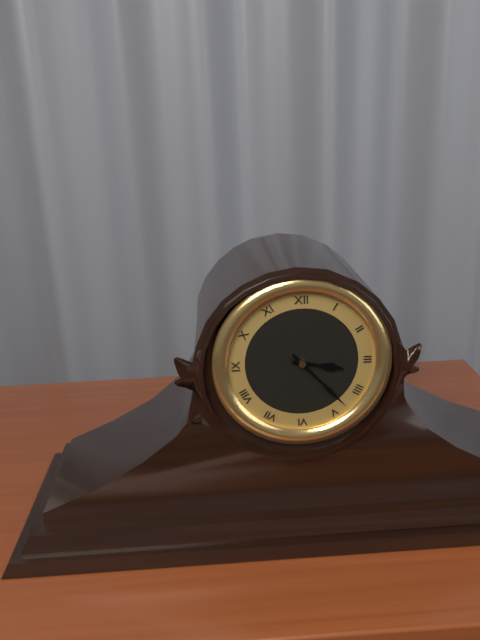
3:23
